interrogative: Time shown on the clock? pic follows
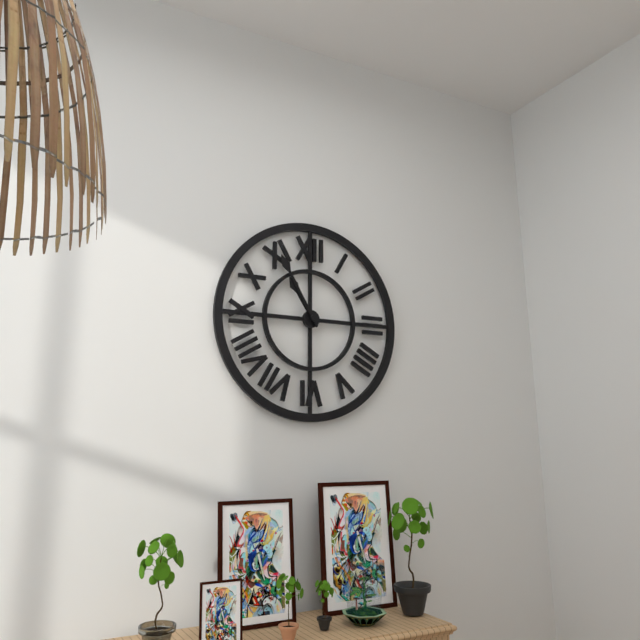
10:55
